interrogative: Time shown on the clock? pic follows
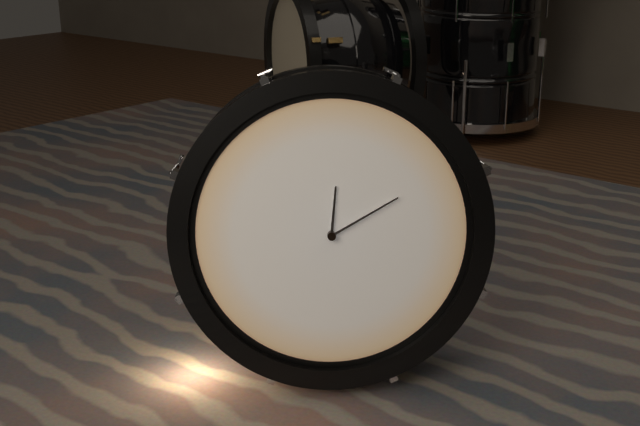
12:10
